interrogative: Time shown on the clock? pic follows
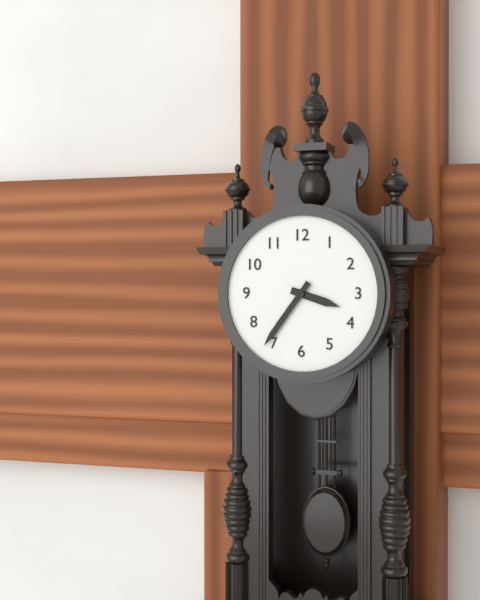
3:36
